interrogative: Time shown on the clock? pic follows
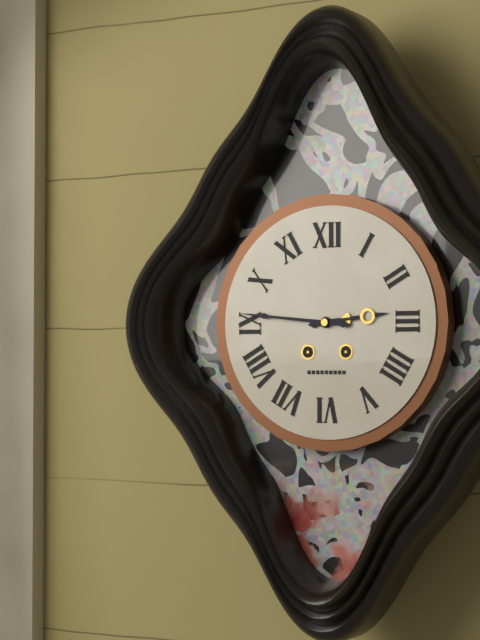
2:46
